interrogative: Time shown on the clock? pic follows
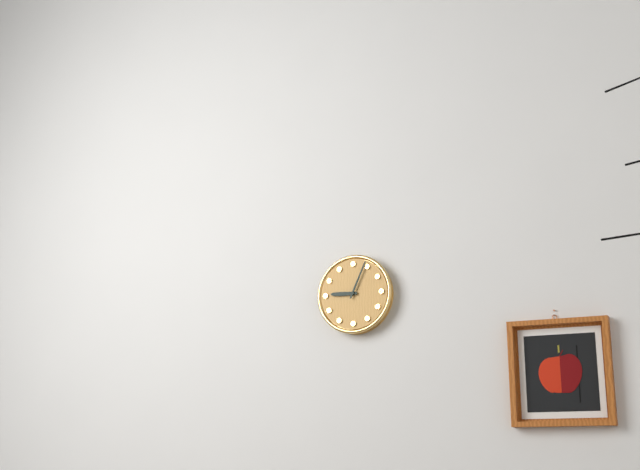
9:04
